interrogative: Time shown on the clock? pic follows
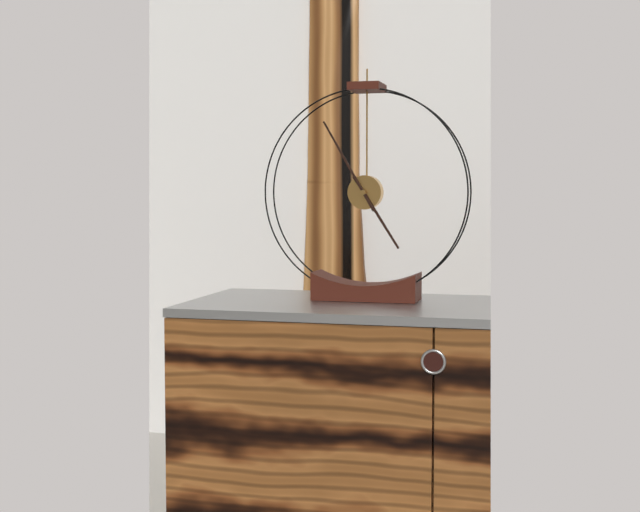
4:55
